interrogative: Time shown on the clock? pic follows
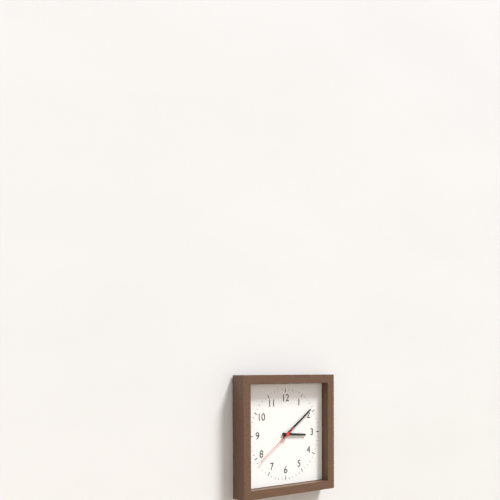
3:09
